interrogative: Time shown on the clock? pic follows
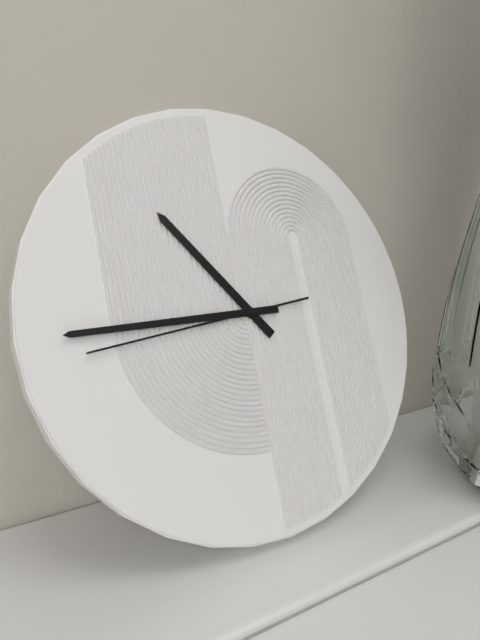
10:45:44
